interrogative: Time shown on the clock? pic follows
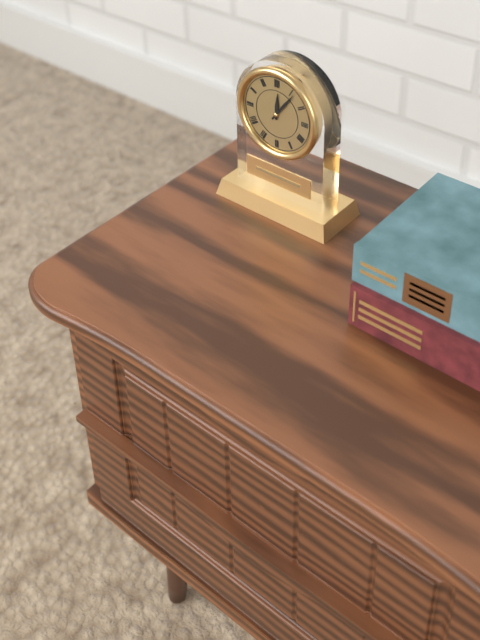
12:06
